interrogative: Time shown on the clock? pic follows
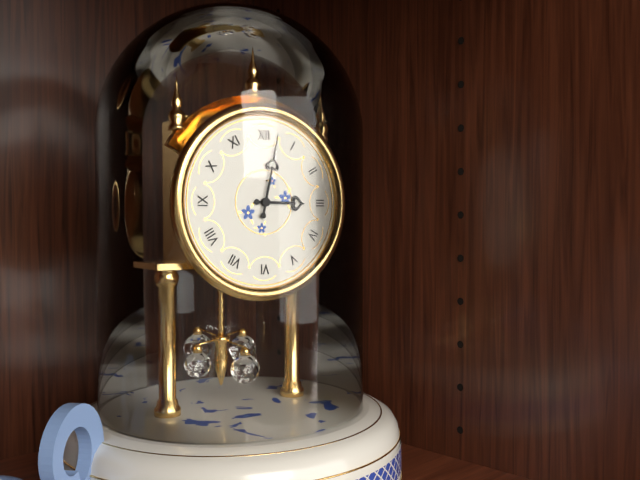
3:02
